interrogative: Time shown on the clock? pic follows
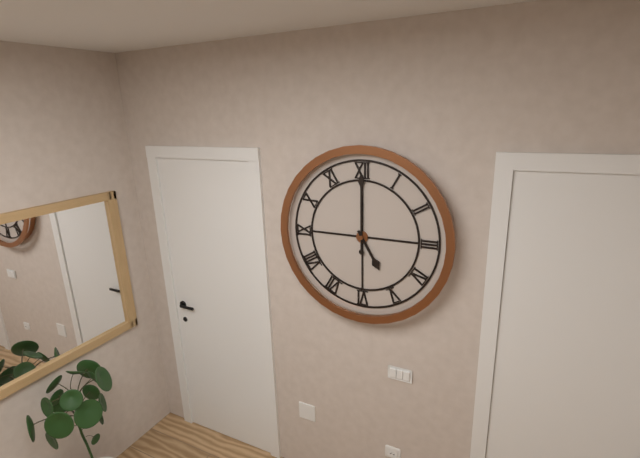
5:00
